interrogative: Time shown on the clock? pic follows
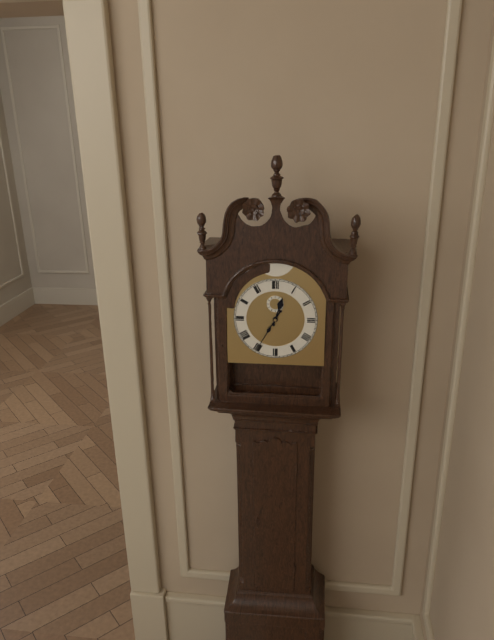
12:35
